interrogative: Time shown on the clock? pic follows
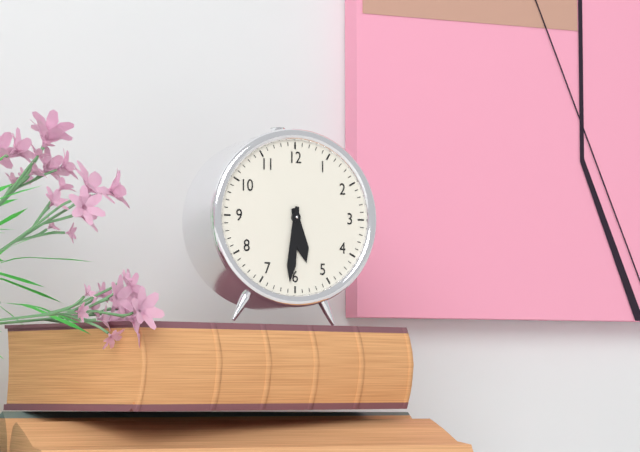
5:31
